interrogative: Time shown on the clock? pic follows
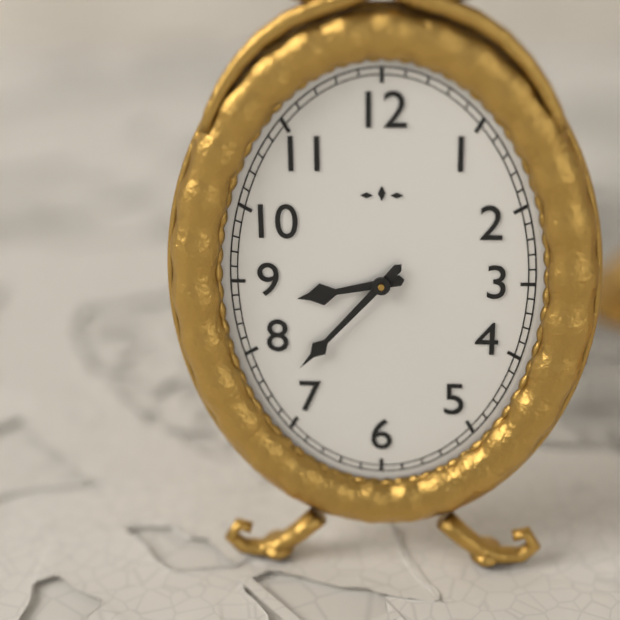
8:37
